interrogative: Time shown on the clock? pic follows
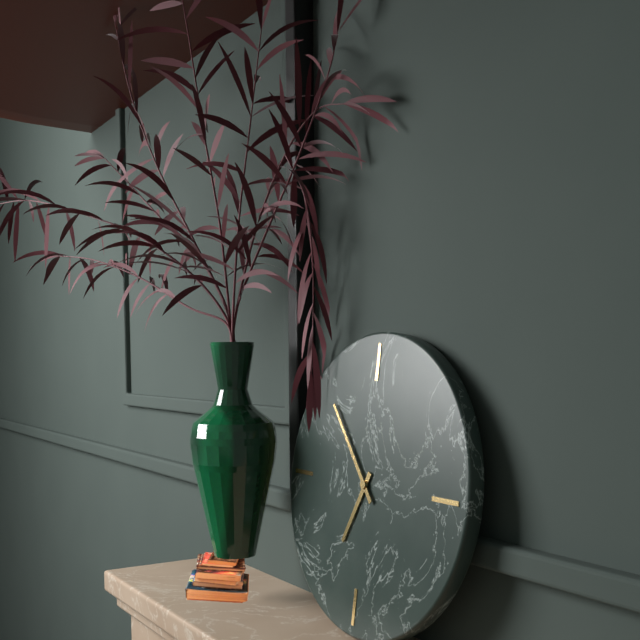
6:53
